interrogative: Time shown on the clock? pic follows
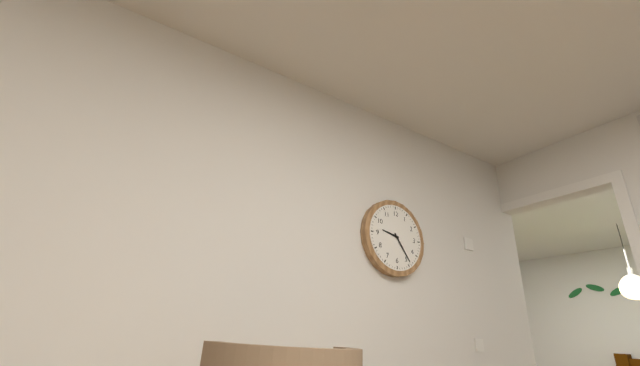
9:24
